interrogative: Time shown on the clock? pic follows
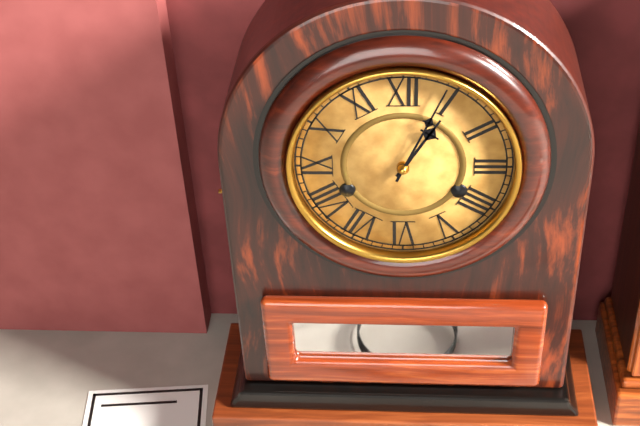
1:04
